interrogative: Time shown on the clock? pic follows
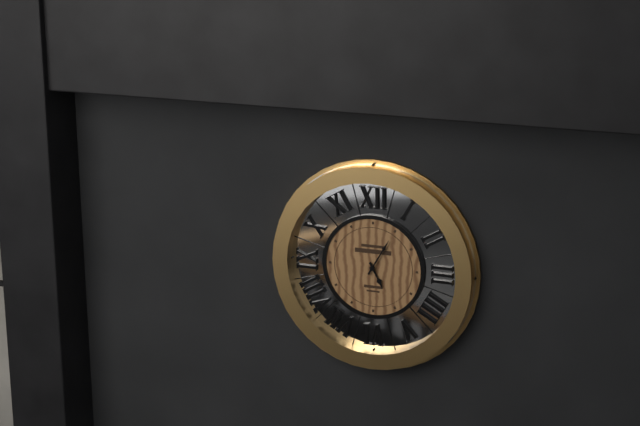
5:05
